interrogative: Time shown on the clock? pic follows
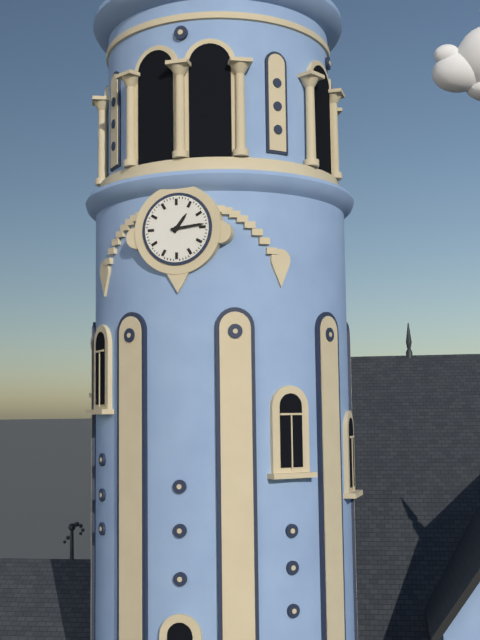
1:14
